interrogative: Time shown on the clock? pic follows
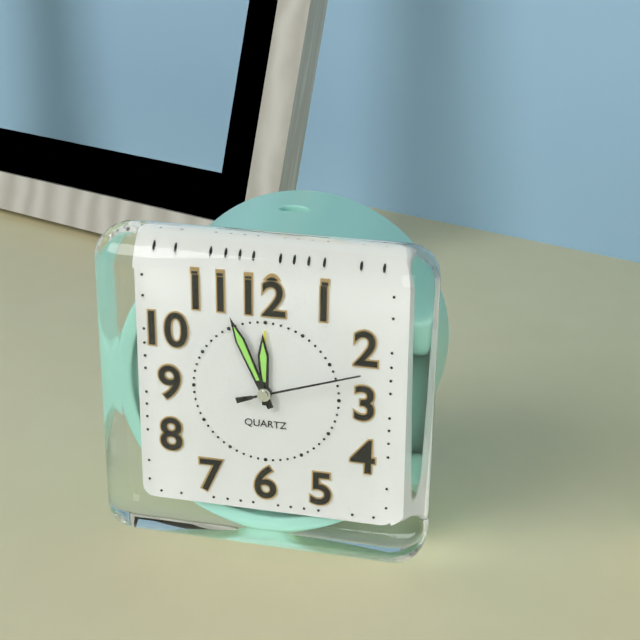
11:56:12
